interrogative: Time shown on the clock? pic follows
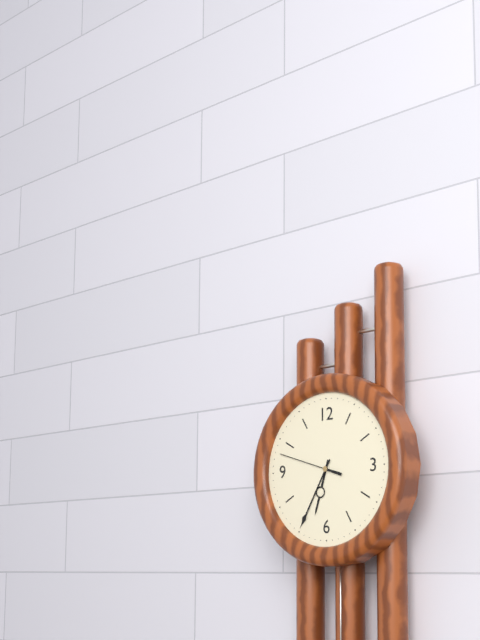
6:35:48
